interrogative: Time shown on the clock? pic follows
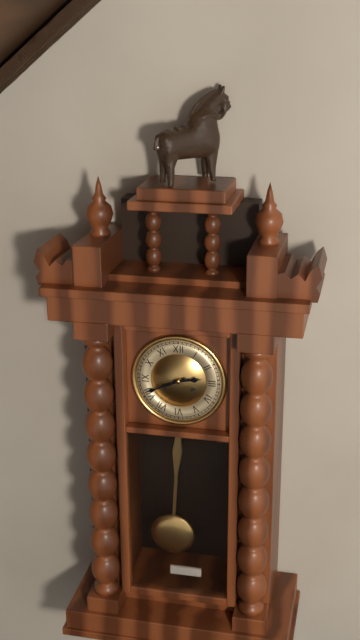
2:41
